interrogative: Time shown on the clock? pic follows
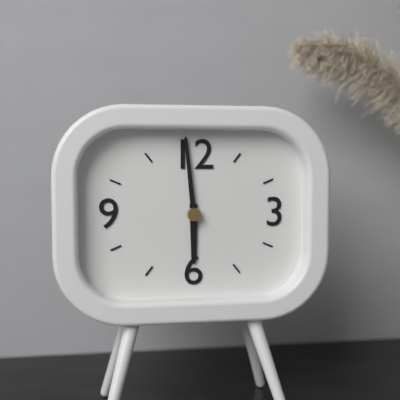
5:59
